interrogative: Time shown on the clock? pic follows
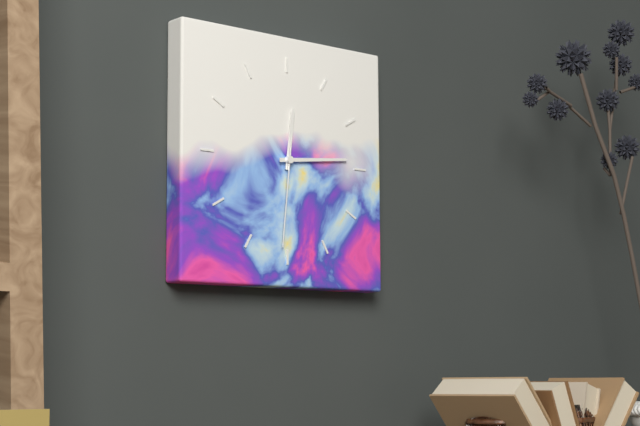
12:14:31
